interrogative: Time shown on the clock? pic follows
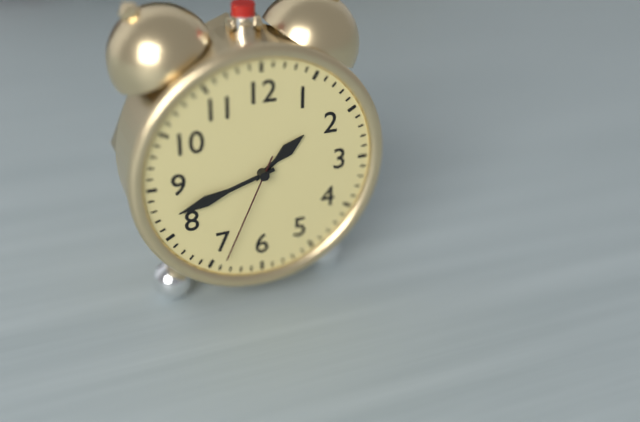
1:42:34
